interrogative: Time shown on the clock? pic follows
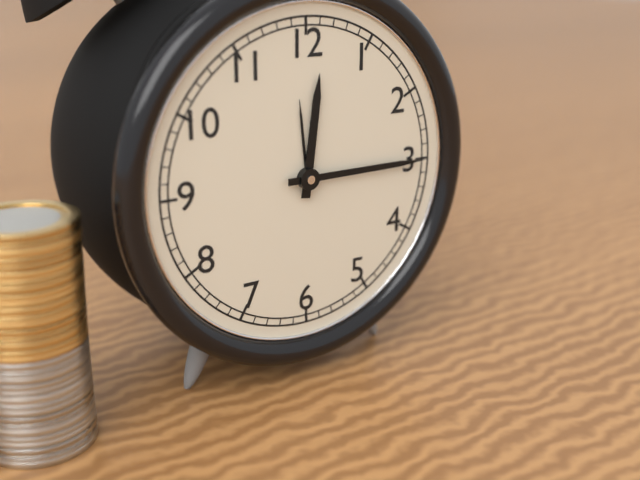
12:15
